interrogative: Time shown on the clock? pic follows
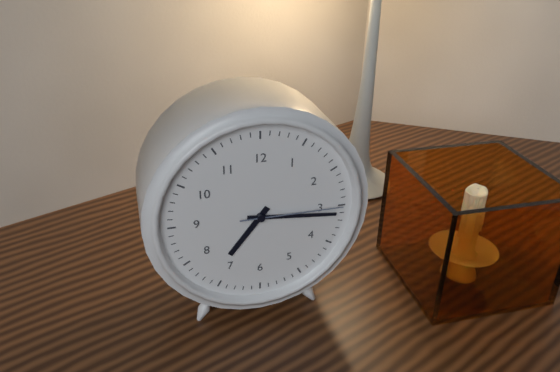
7:16:15
